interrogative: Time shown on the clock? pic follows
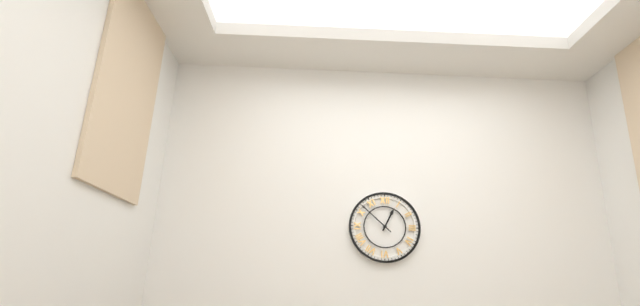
12:52
